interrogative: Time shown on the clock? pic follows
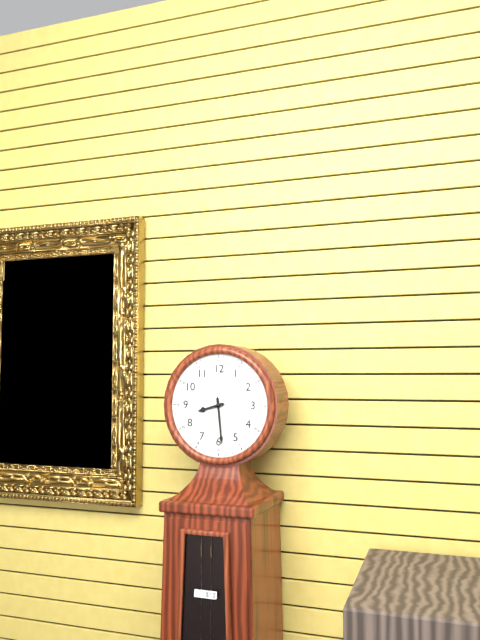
8:29
